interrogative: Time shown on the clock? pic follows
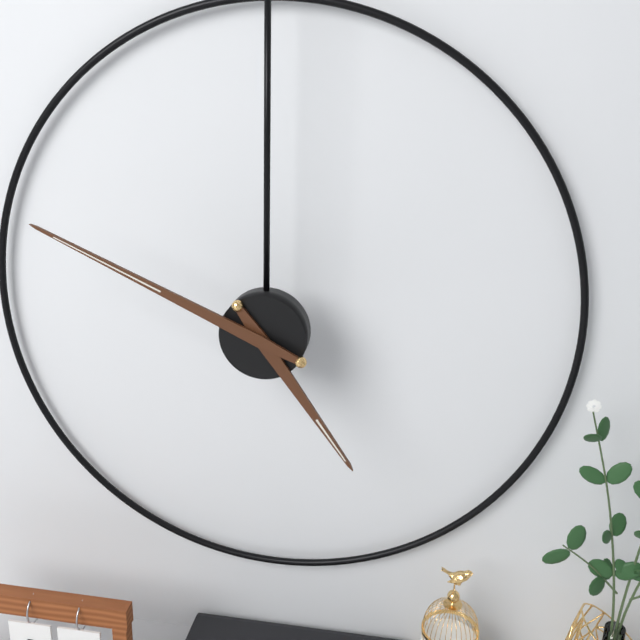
4:49
